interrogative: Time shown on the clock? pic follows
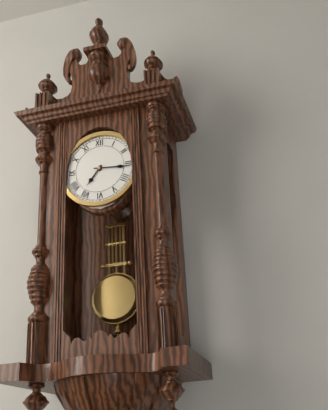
7:16
